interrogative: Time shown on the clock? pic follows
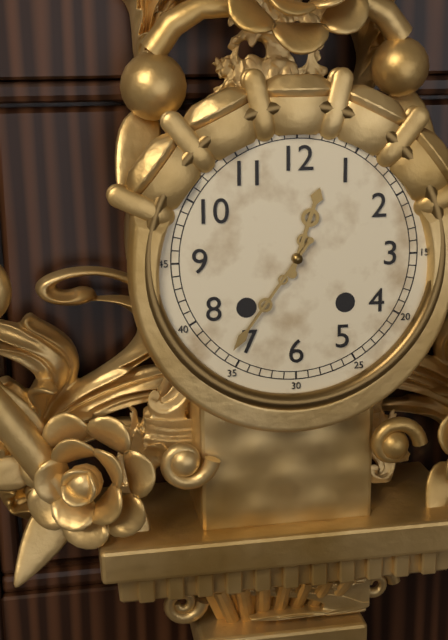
12:36
